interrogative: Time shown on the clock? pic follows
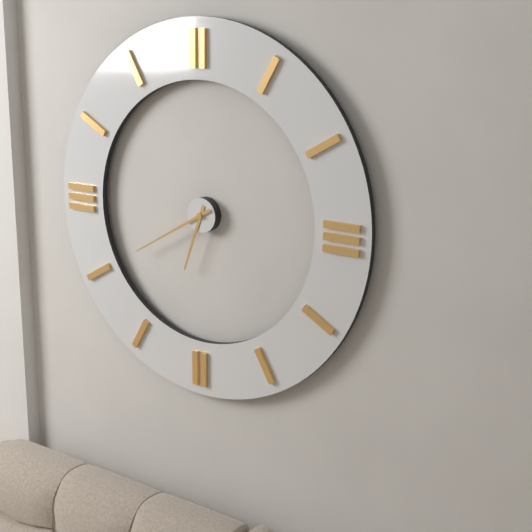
6:40
